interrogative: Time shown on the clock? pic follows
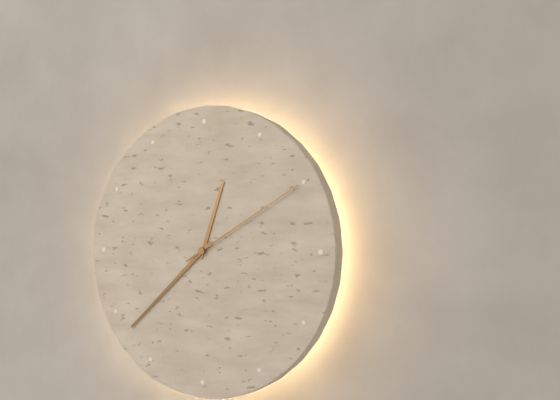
12:38:10
